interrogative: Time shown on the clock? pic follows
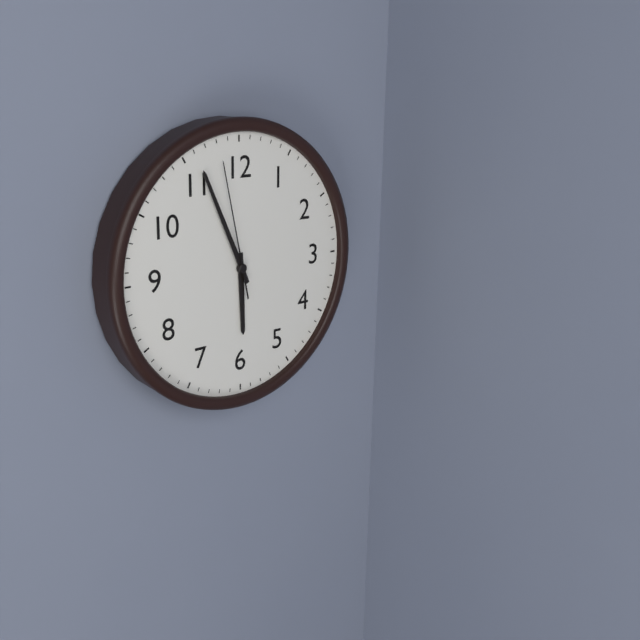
5:56:58
